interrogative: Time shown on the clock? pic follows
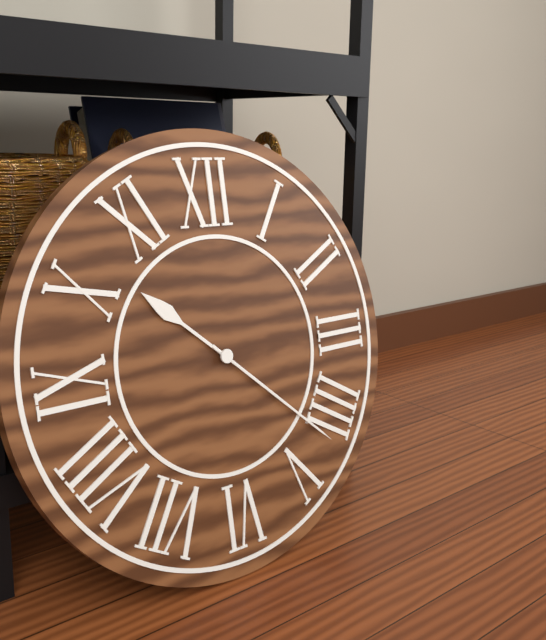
10:22
